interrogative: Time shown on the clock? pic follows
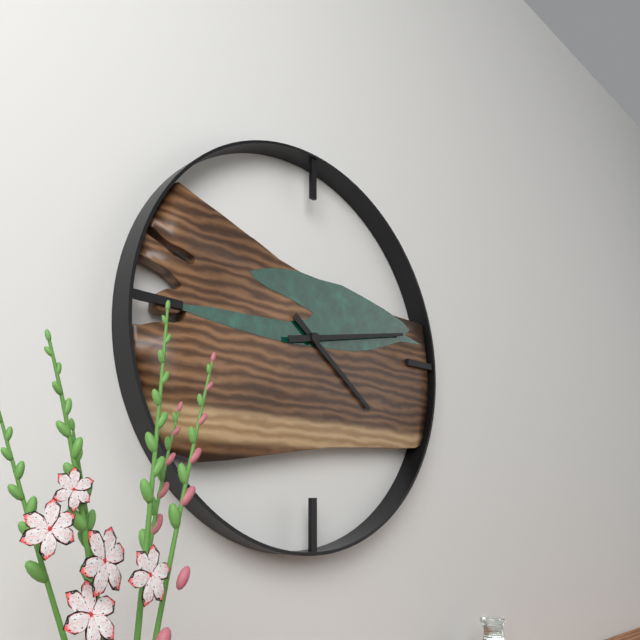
4:13
